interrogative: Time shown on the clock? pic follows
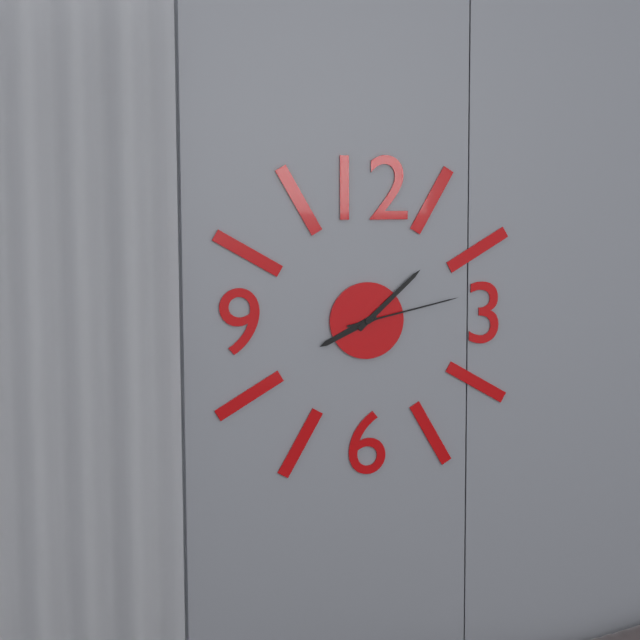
8:08:13
